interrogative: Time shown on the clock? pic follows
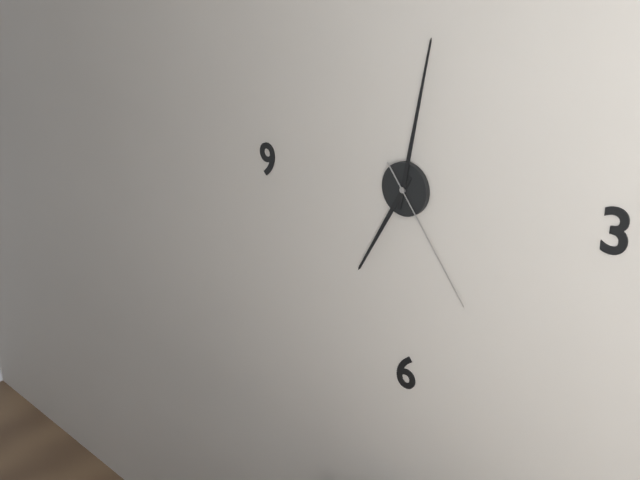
7:02:24
